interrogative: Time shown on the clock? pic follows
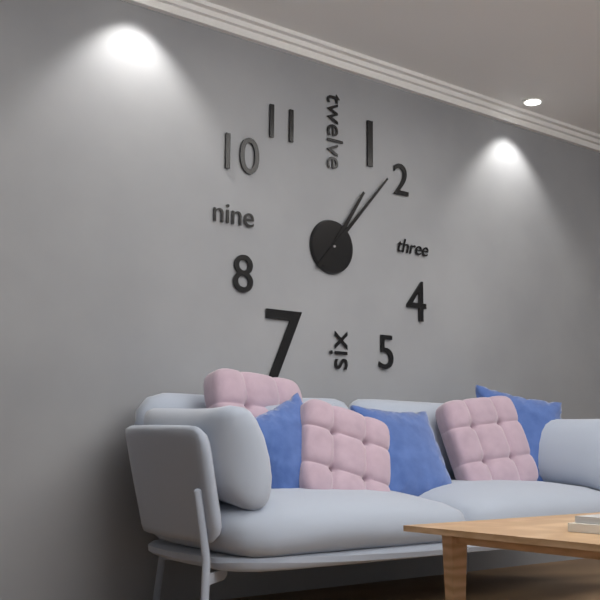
1:07
